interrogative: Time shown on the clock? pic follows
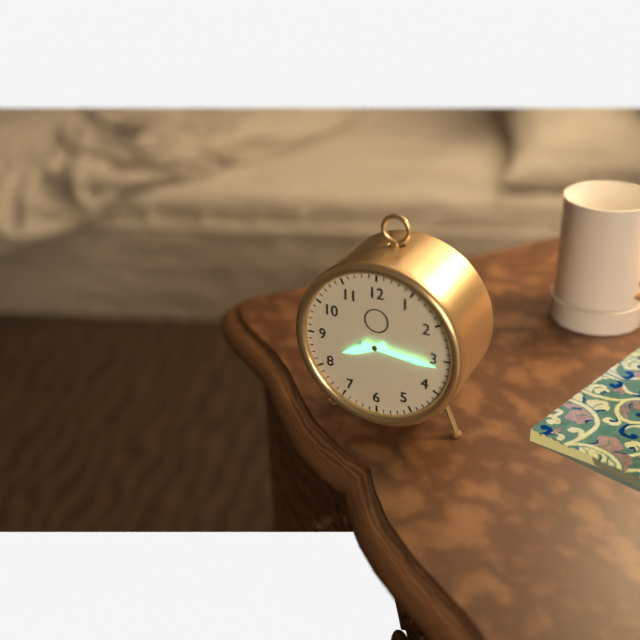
8:16
